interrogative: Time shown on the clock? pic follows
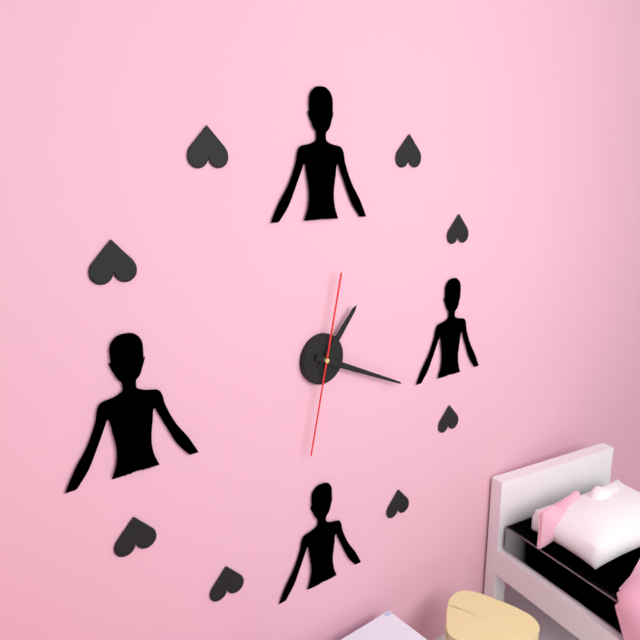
1:19:32
